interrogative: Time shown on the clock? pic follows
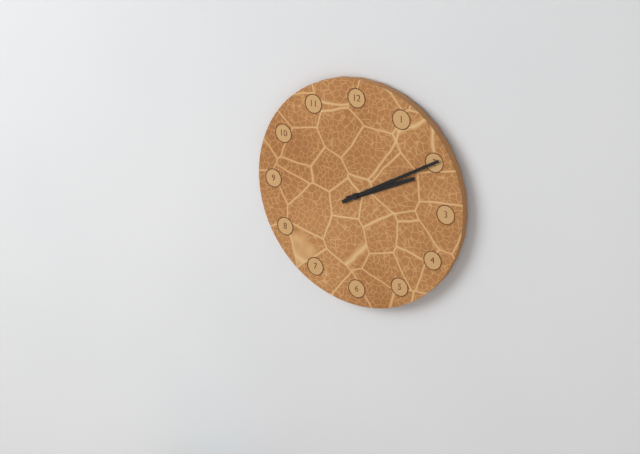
2:10
